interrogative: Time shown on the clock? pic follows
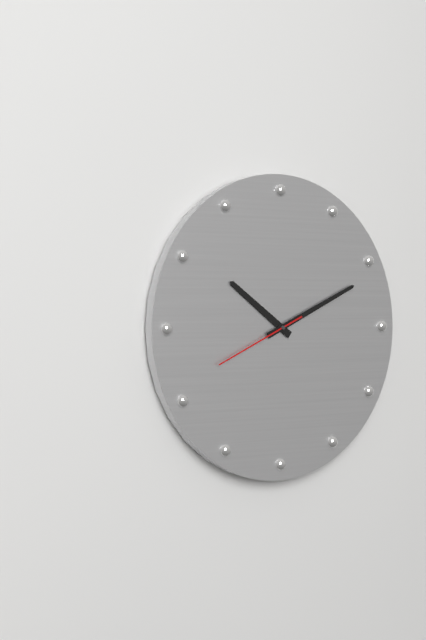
10:11:41
